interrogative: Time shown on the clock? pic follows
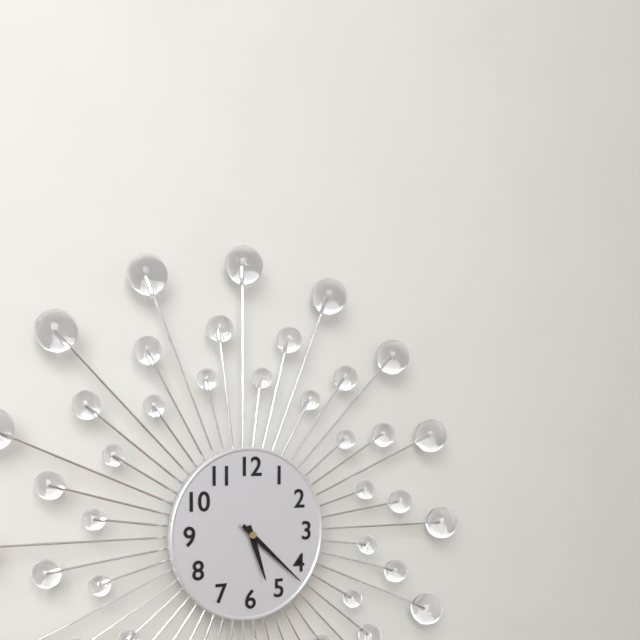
5:22
